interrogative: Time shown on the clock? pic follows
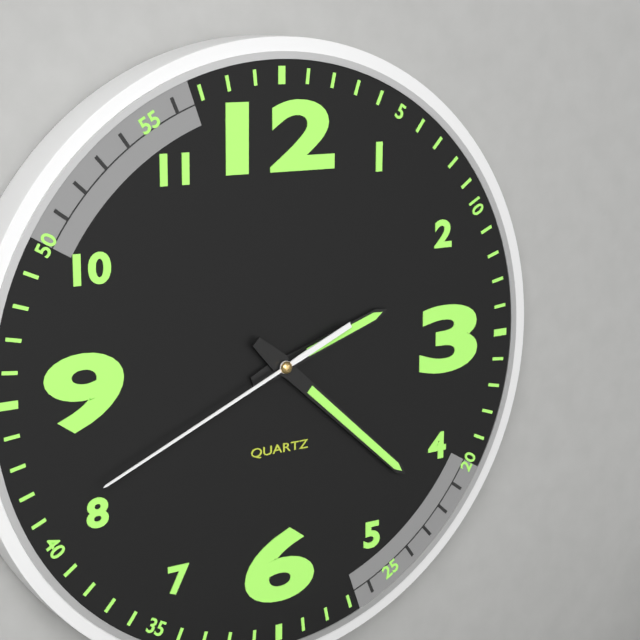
2:22:41
